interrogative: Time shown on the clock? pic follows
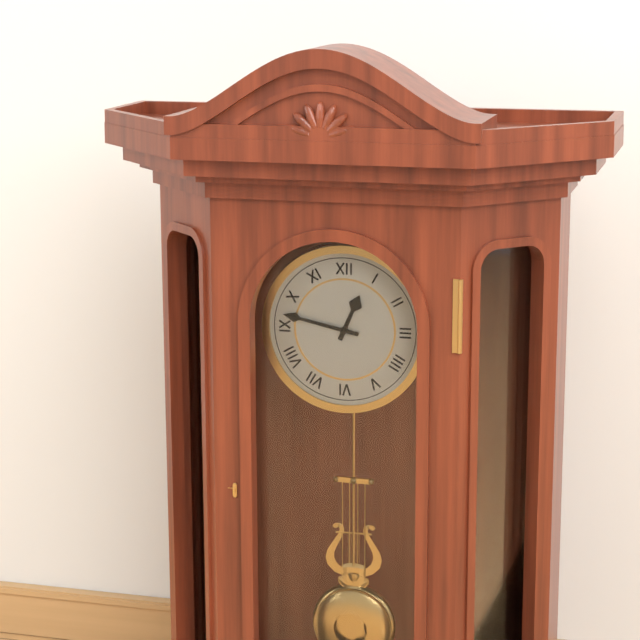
12:47
